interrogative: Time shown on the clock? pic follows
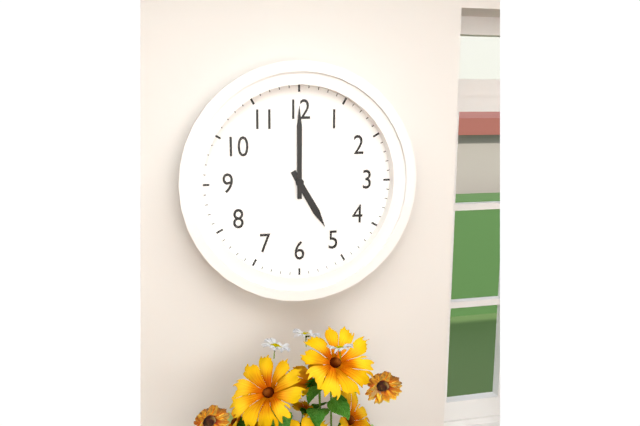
5:00
